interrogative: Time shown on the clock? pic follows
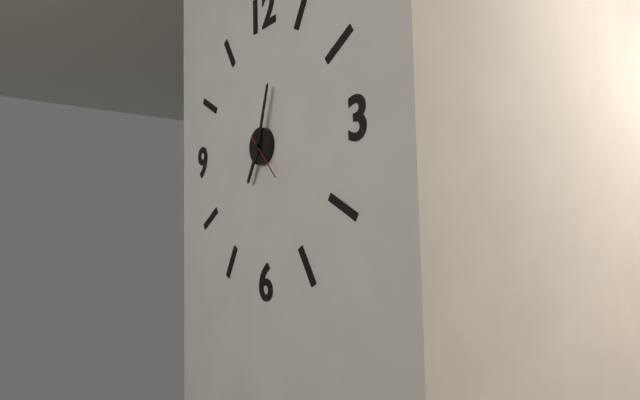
7:03
